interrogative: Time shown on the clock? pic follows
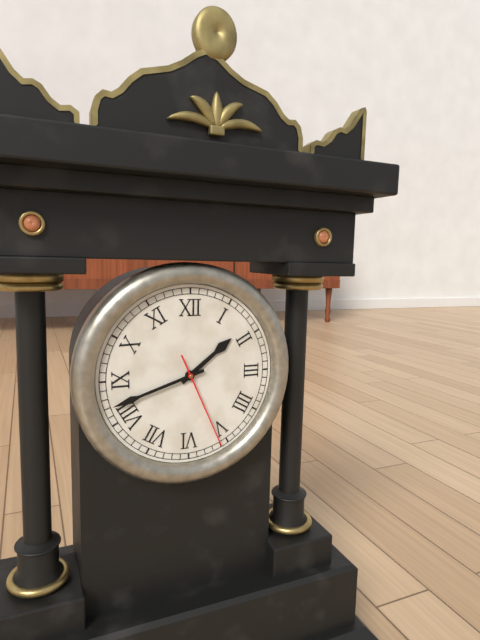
1:42:26
